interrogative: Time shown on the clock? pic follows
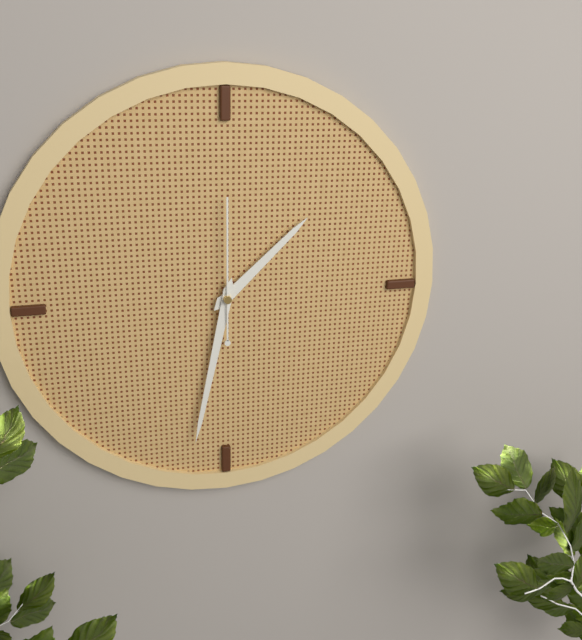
1:32:00
